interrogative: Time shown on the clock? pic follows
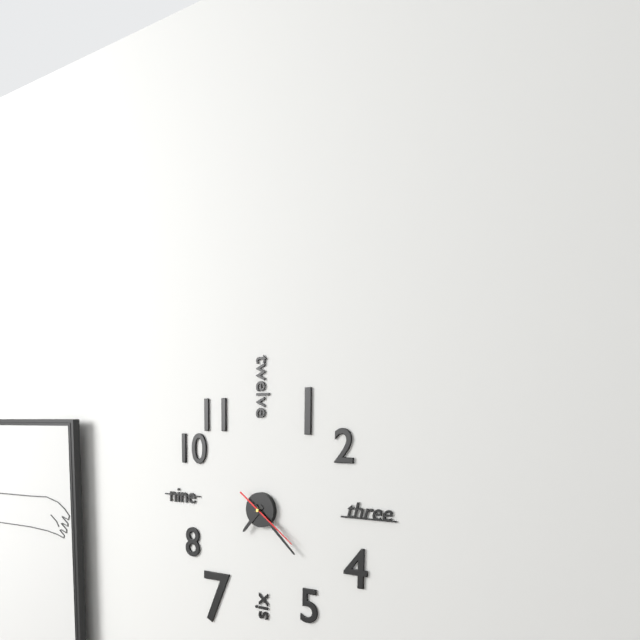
7:22:21
